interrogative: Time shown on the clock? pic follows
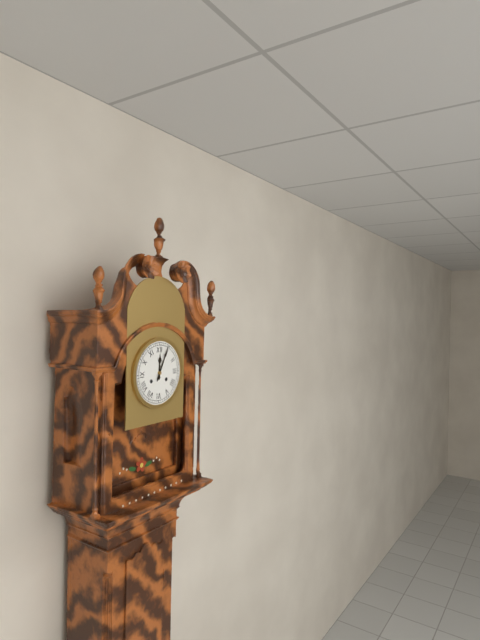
12:04
